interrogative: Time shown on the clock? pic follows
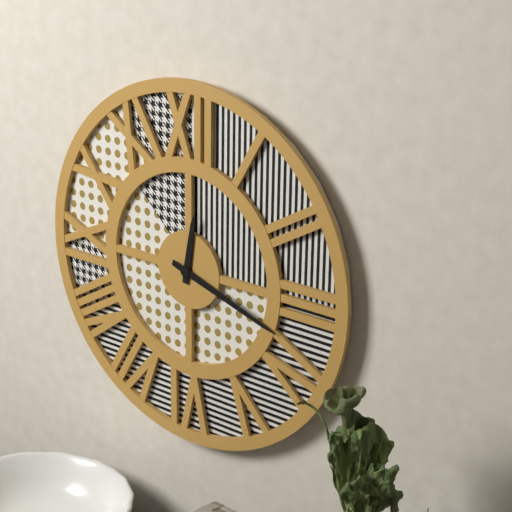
12:18
